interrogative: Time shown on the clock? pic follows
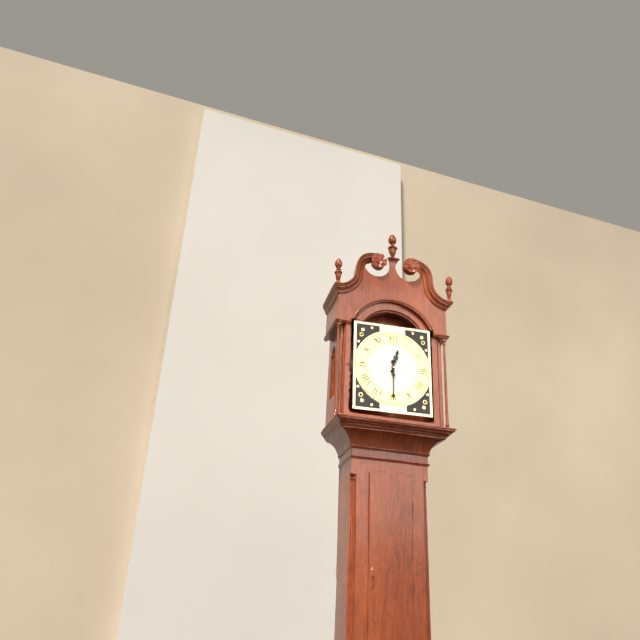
12:30
